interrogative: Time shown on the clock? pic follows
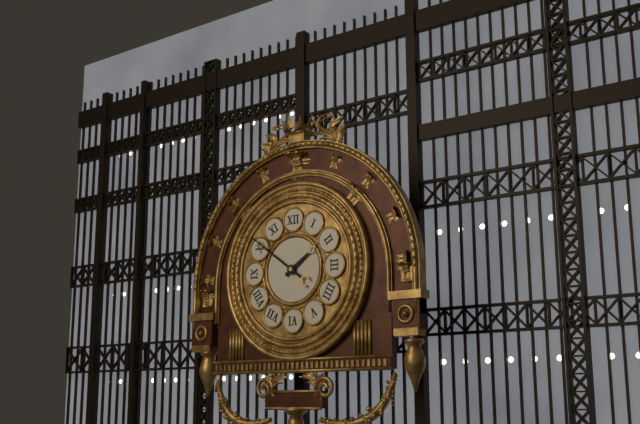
1:51
